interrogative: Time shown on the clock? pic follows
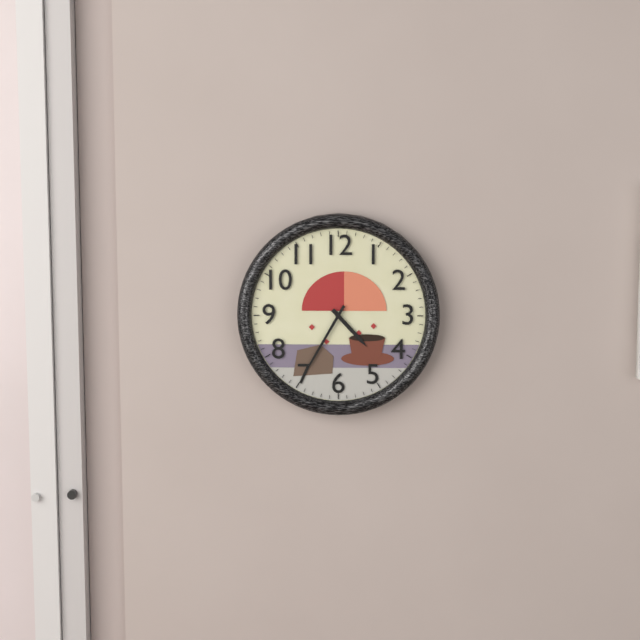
4:35
